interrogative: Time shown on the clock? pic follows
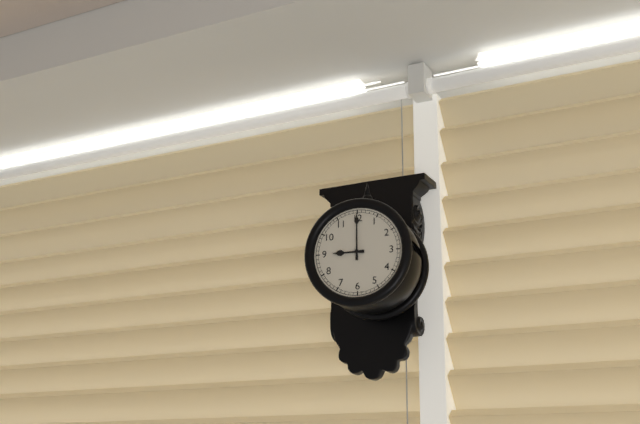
9:00
